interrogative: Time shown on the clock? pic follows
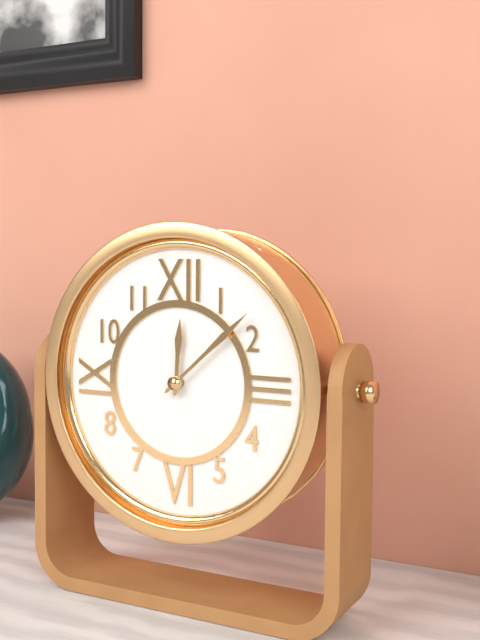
12:08
